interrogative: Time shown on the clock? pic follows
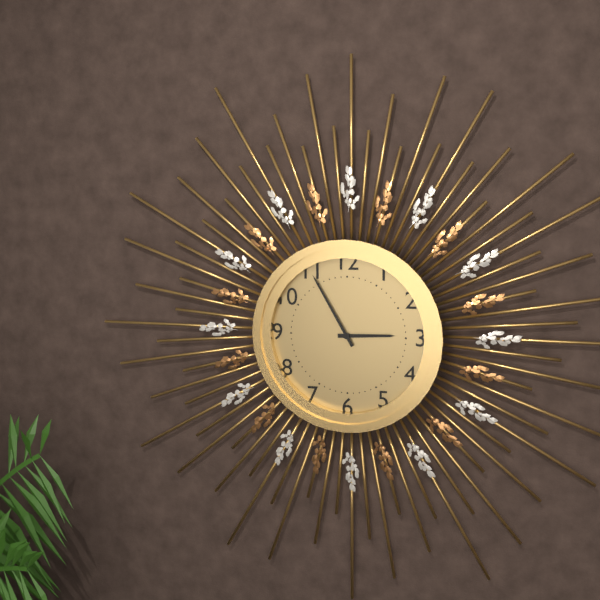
2:55
